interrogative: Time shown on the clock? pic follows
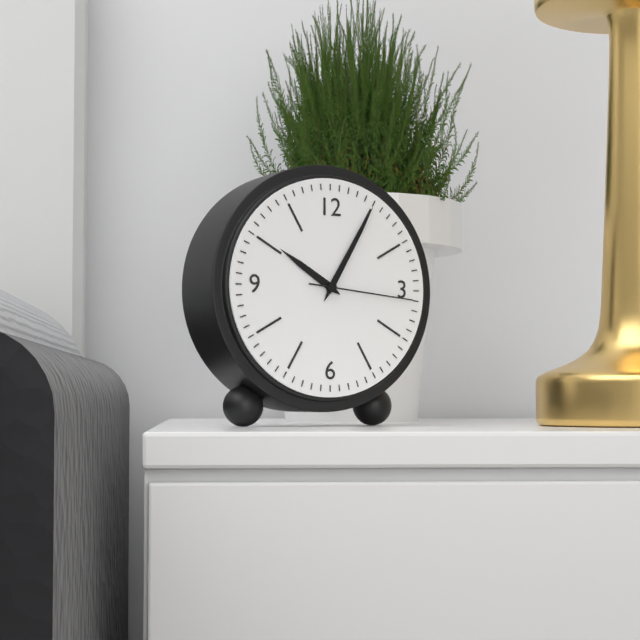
10:05:16
